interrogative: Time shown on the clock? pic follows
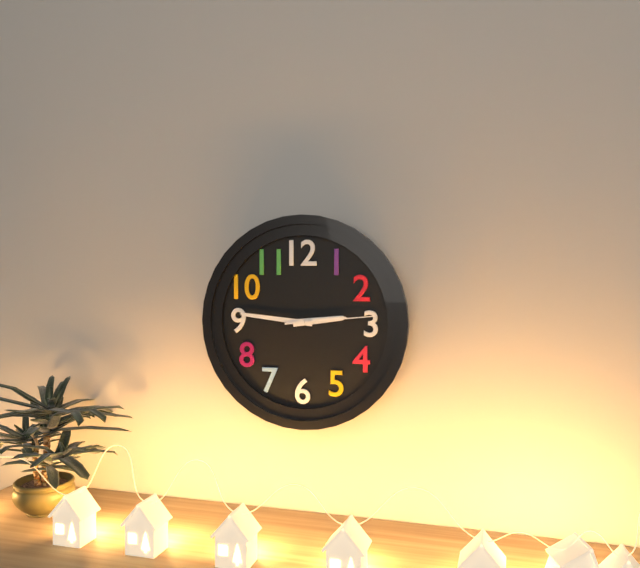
2:46:14
